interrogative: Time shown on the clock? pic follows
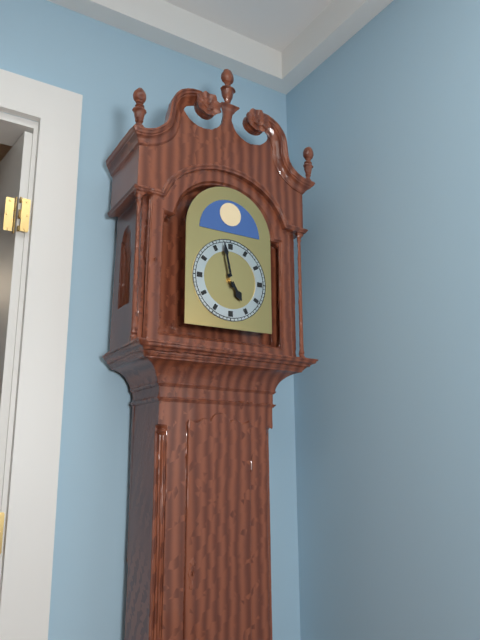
4:58
